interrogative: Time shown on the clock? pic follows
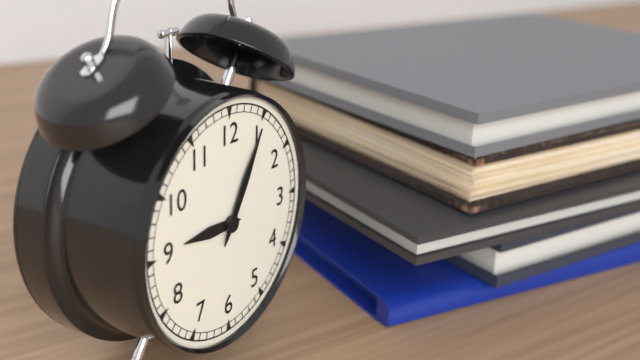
9:05
